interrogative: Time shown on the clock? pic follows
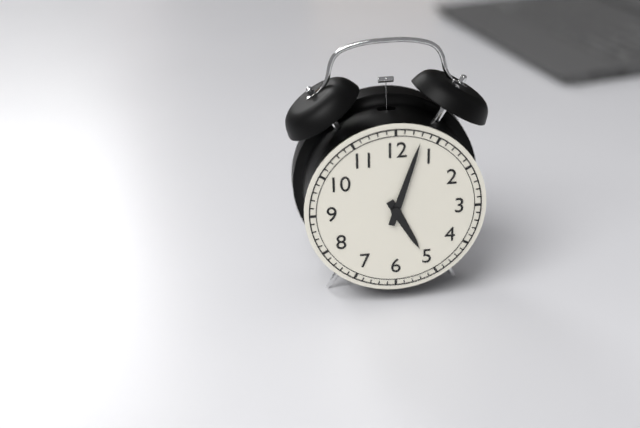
5:03
